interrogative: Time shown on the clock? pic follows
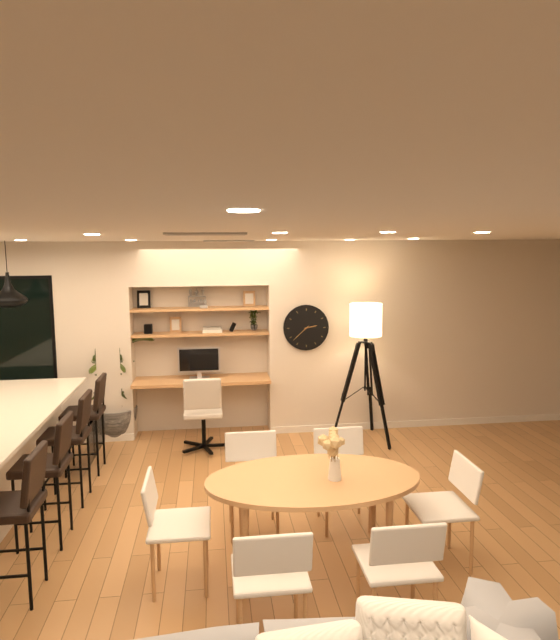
2:38
